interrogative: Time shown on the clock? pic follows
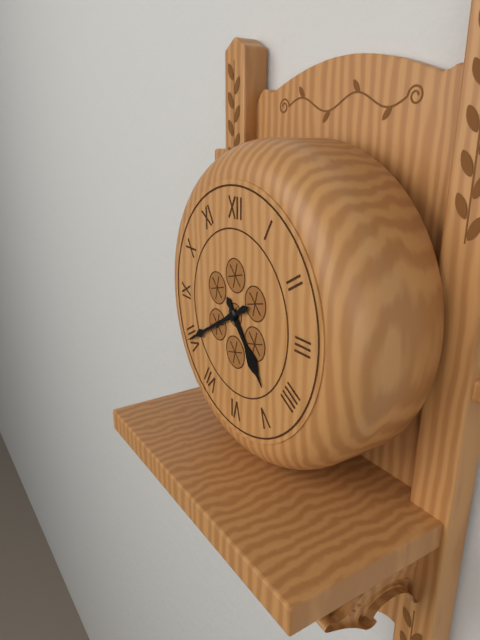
4:40
